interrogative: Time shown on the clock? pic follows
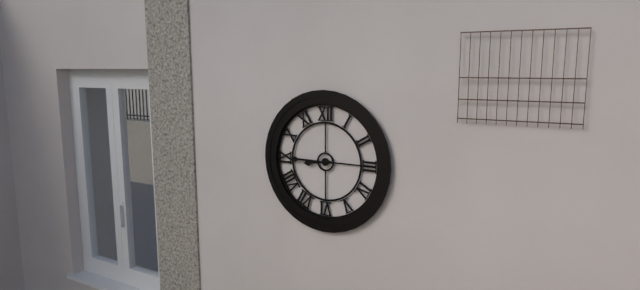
8:45
